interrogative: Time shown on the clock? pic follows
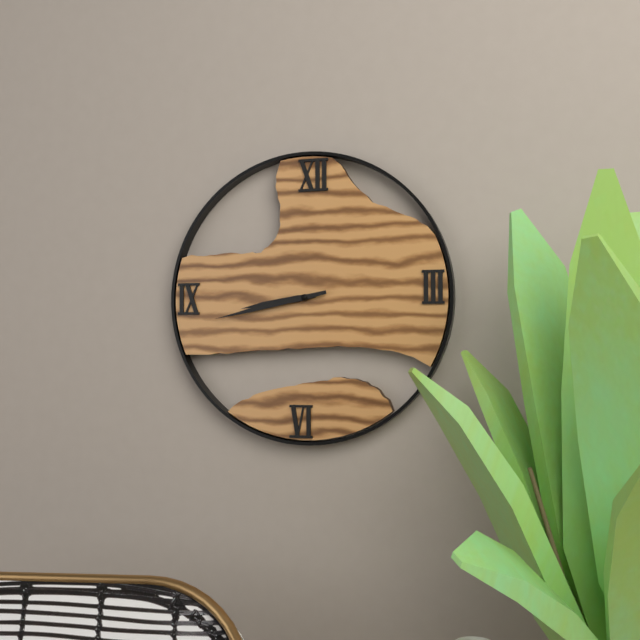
8:43
